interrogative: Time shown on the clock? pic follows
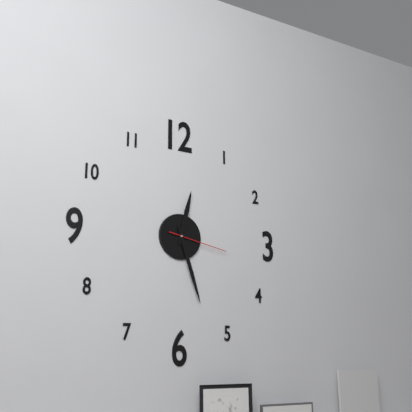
12:27:17
